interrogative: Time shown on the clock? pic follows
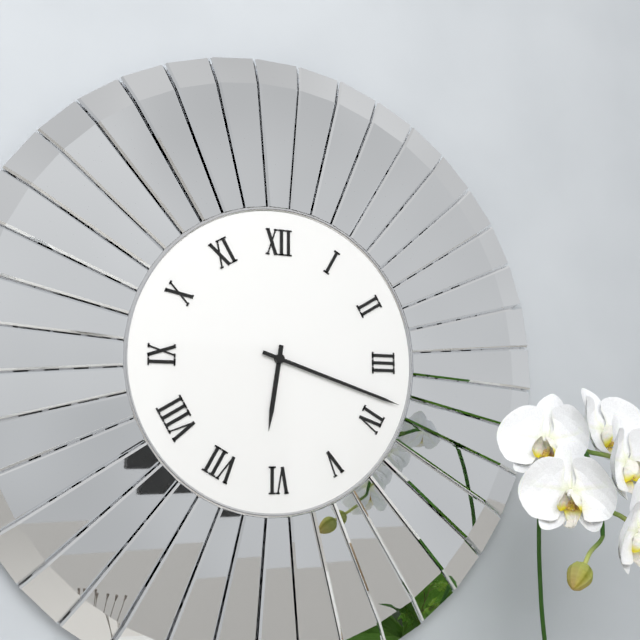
6:18
